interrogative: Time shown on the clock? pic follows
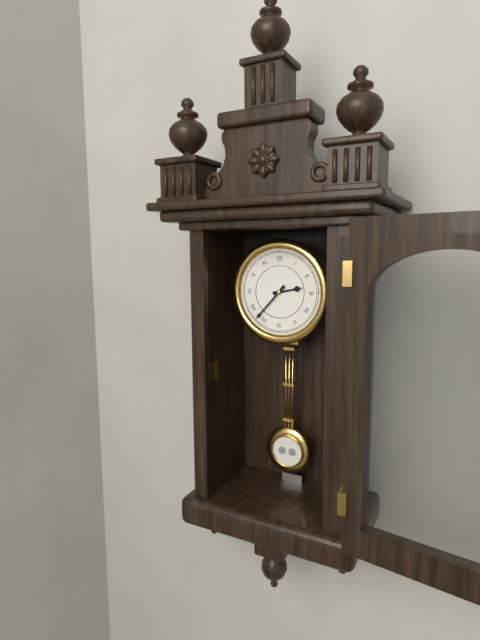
2:37
